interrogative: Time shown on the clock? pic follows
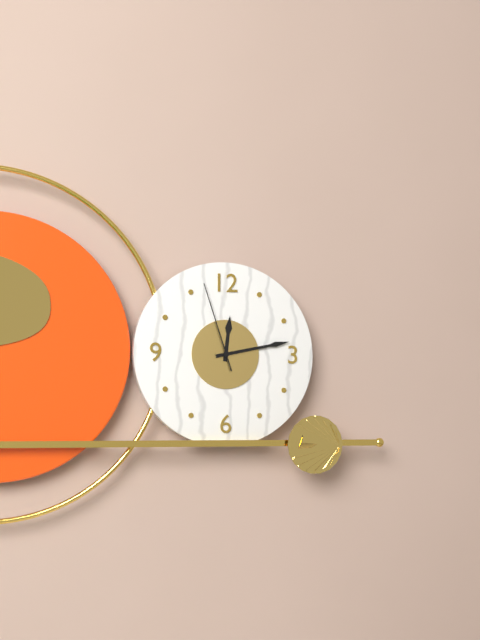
12:13:57
